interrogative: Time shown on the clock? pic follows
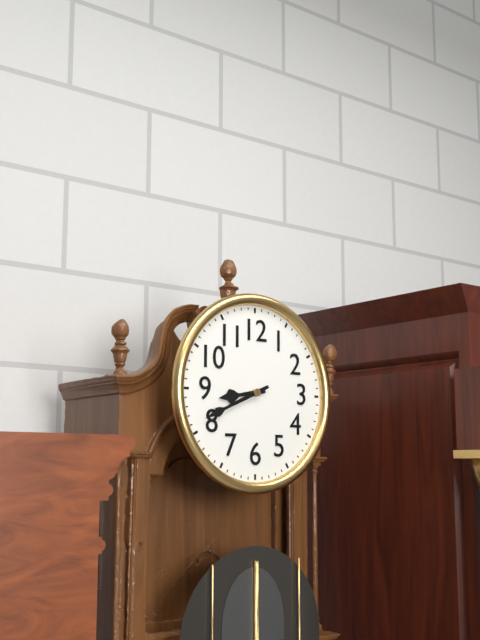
8:41
